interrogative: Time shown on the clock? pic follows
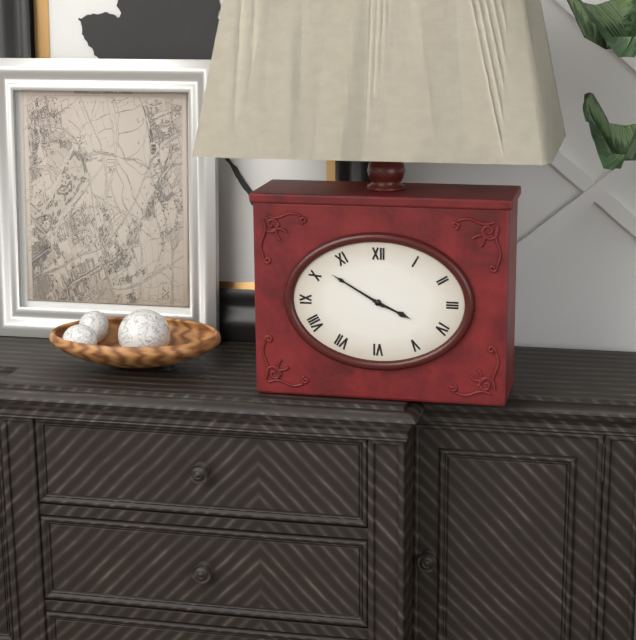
3:50
